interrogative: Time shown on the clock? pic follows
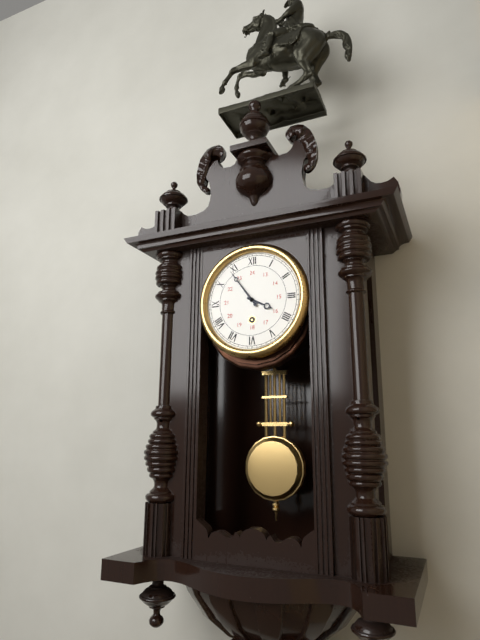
3:54
